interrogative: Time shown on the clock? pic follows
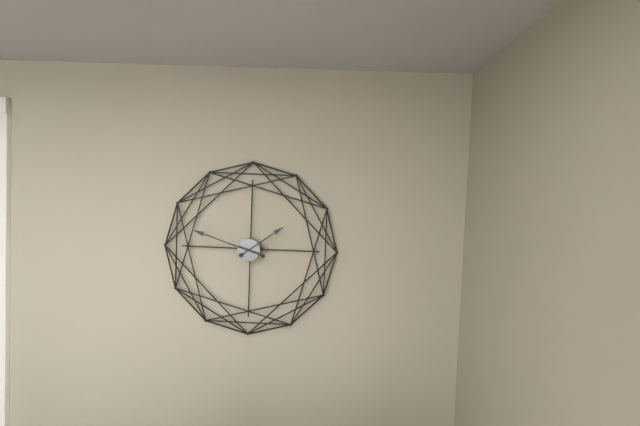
1:48
